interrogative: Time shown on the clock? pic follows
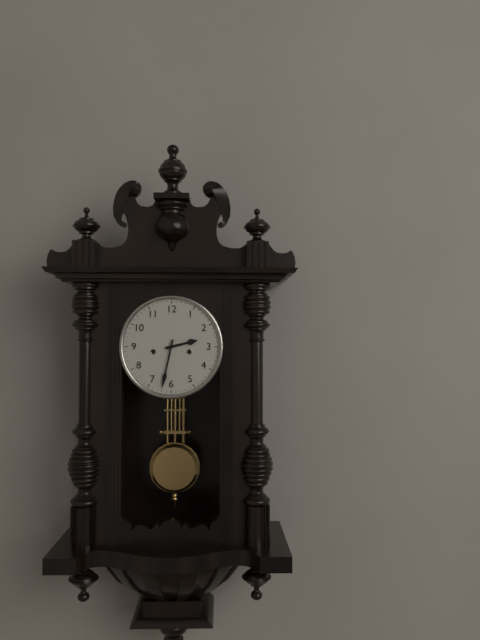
2:32
